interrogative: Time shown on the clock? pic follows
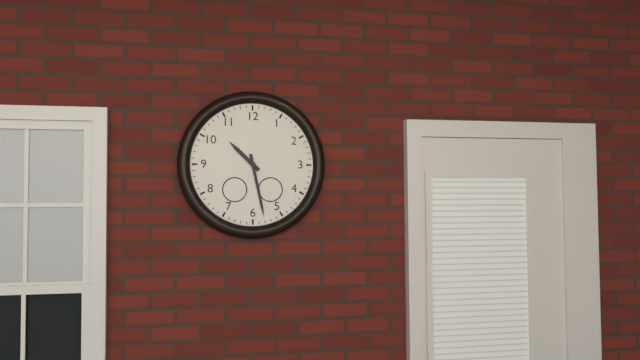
10:28
